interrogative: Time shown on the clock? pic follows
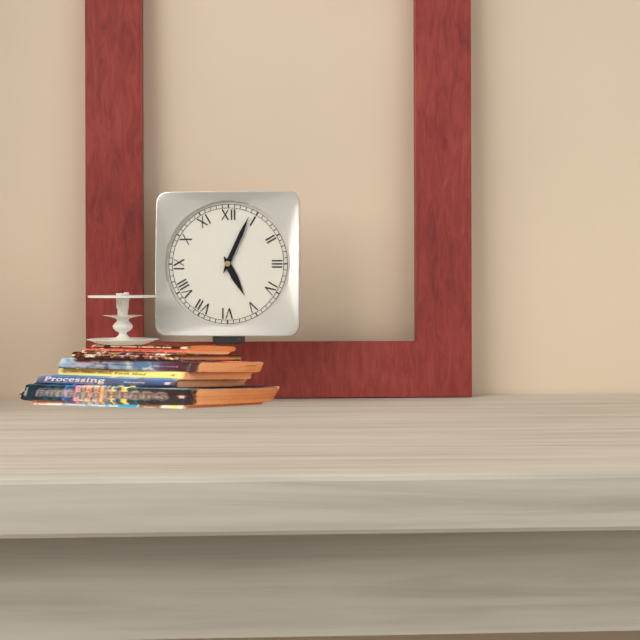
5:04
